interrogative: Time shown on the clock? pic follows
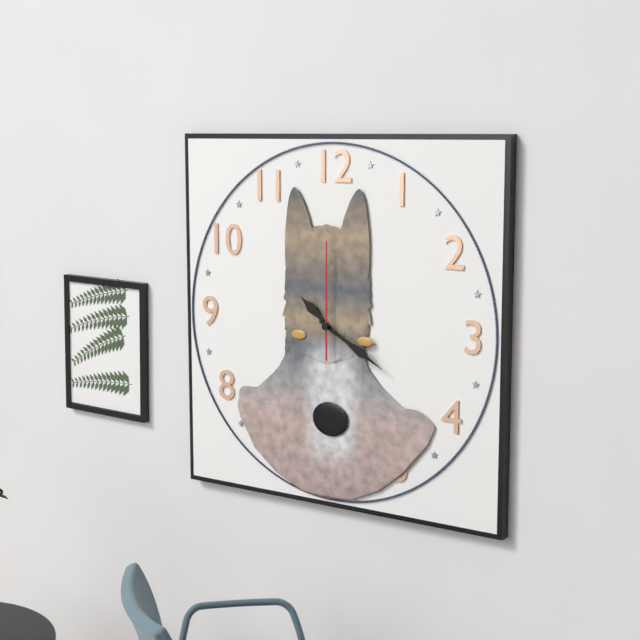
10:20:00
